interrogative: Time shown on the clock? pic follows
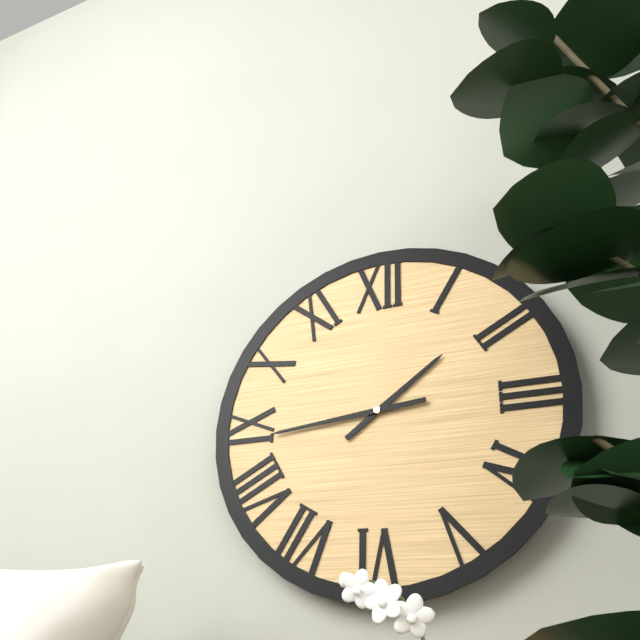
1:44
